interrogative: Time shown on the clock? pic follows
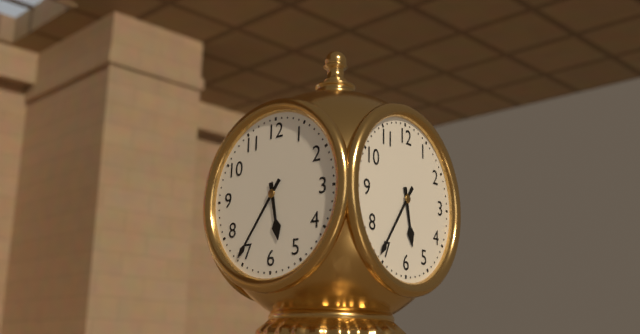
5:36
